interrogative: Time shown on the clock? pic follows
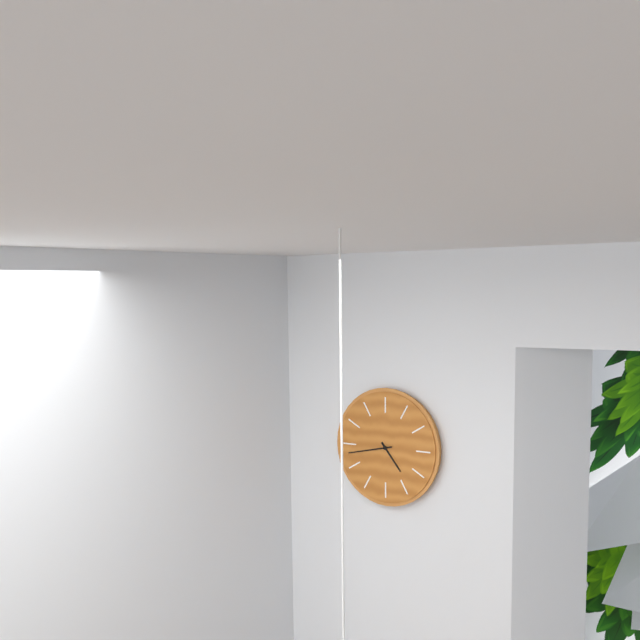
4:43
